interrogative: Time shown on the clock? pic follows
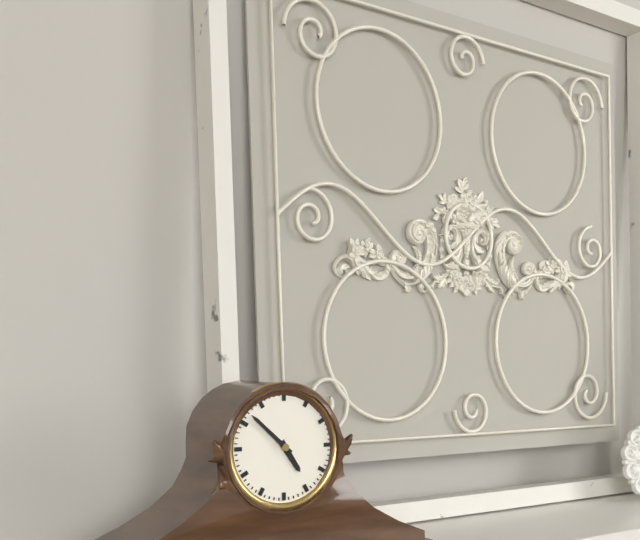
4:52
